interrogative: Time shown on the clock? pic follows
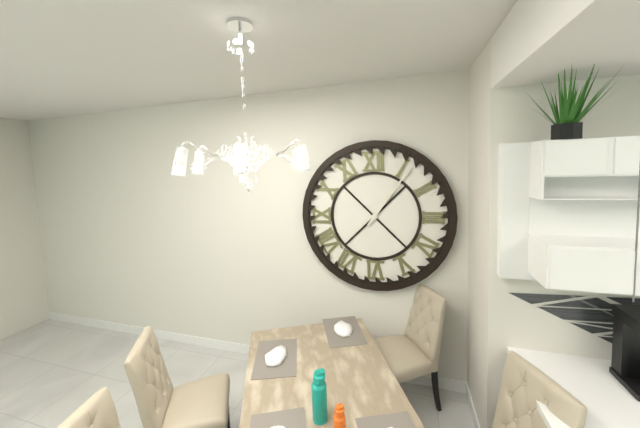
1:06
